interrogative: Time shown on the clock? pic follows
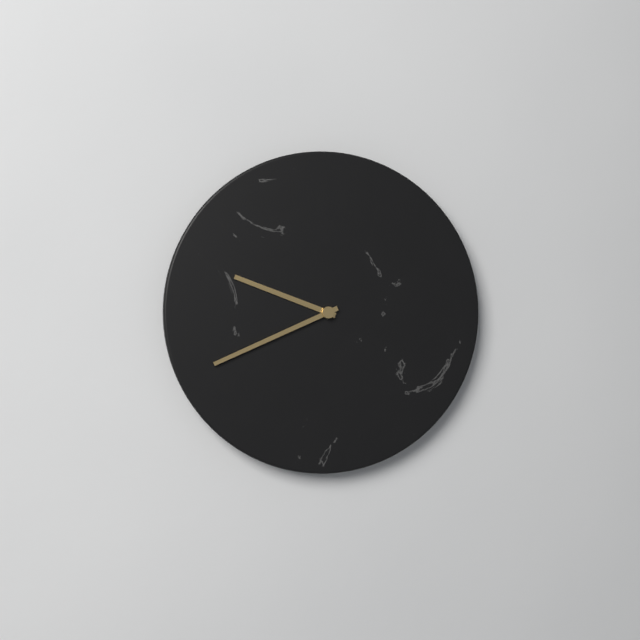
9:41
